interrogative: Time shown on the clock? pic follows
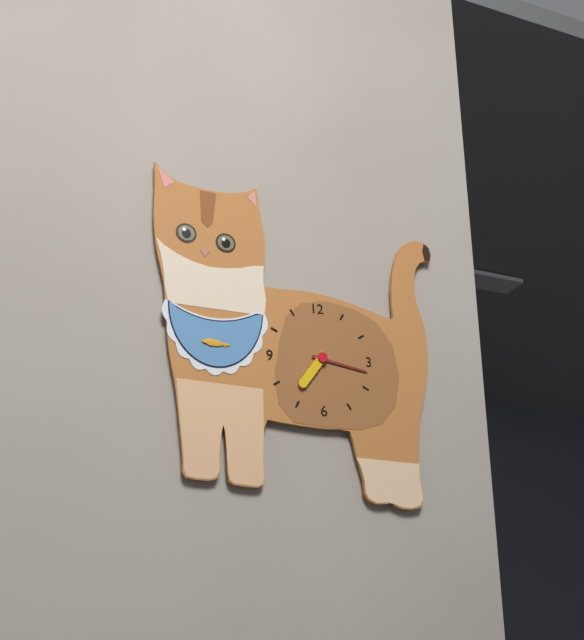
7:17
